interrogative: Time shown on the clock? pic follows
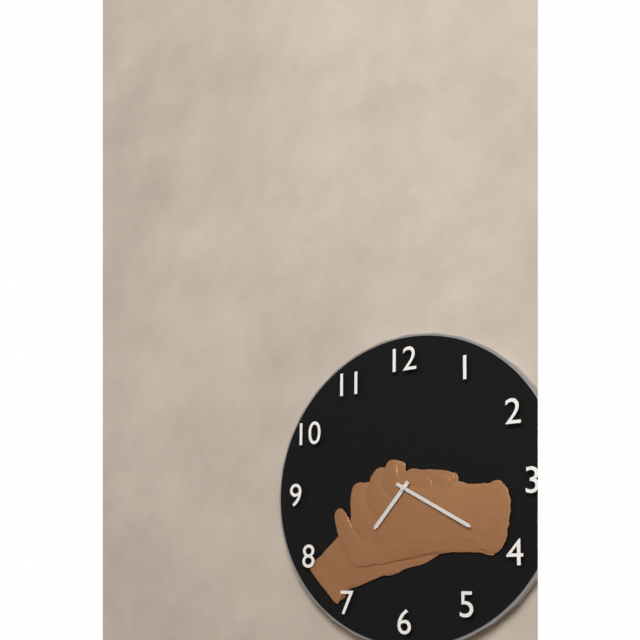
7:20
